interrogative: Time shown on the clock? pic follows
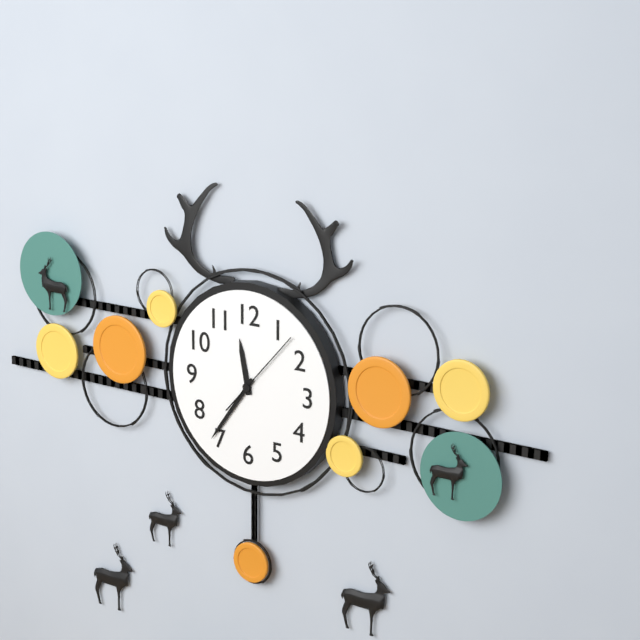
11:36:07
